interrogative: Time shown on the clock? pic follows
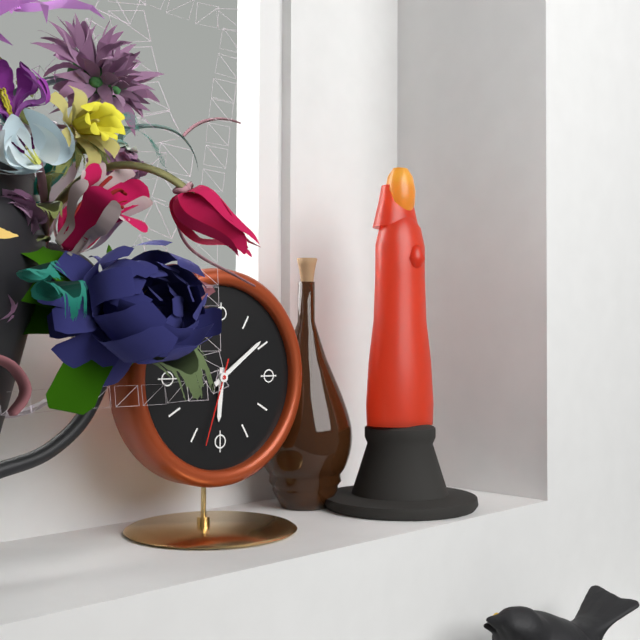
6:09:33
